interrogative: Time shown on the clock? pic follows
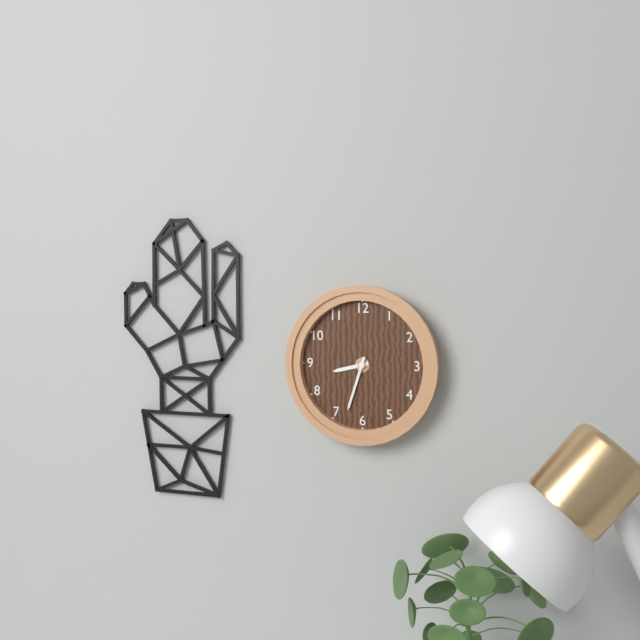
8:33
